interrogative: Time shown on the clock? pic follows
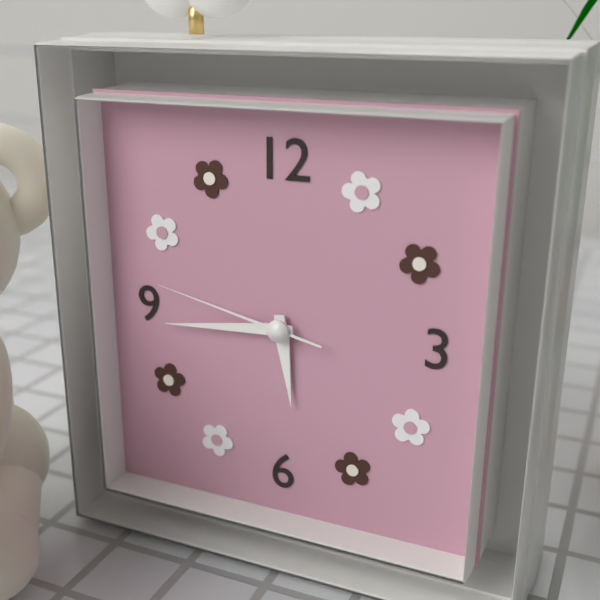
5:44:47
